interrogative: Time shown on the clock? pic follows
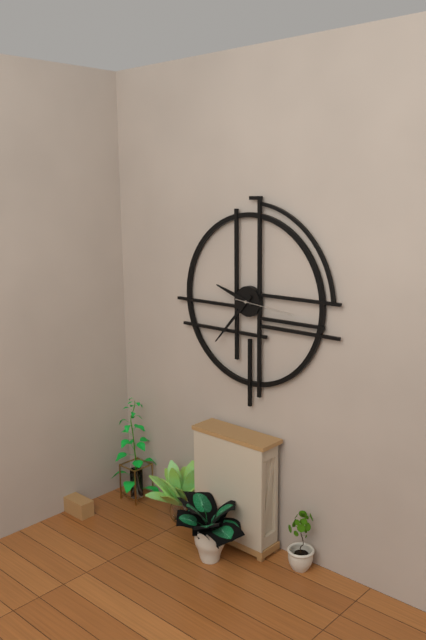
9:37:16
